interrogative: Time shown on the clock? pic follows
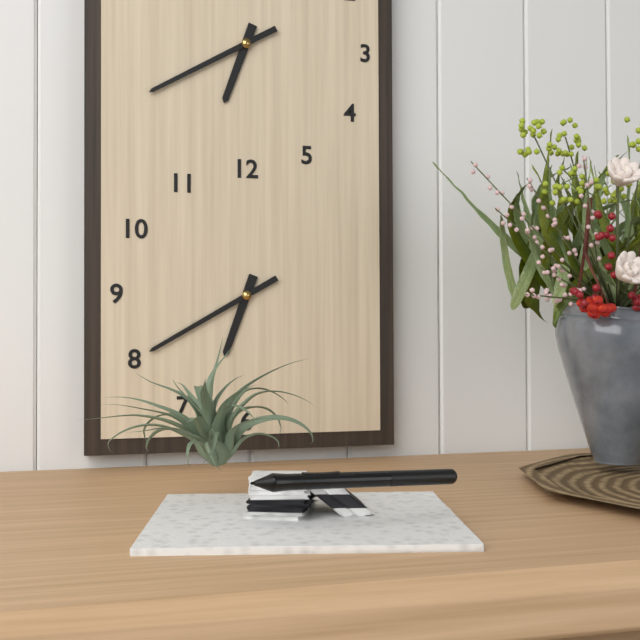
6:40
